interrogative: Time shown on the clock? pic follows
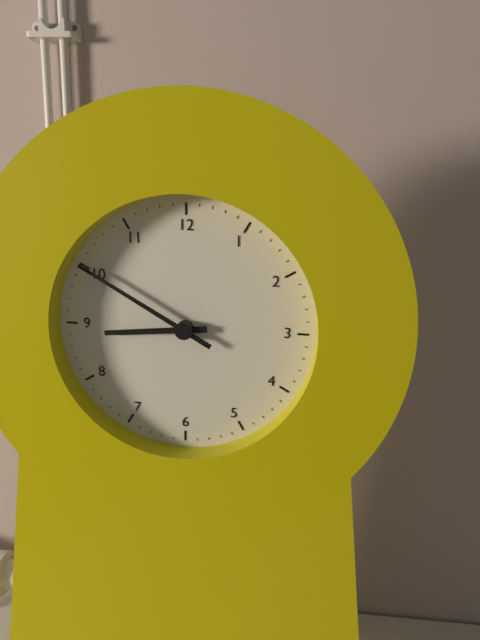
8:50
